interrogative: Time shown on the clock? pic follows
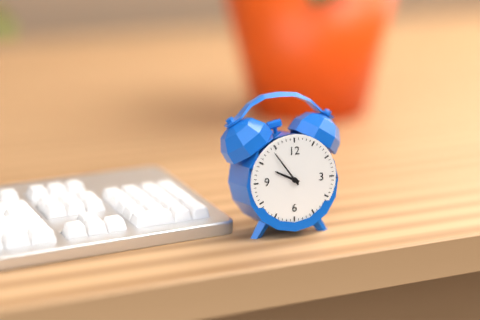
9:54
